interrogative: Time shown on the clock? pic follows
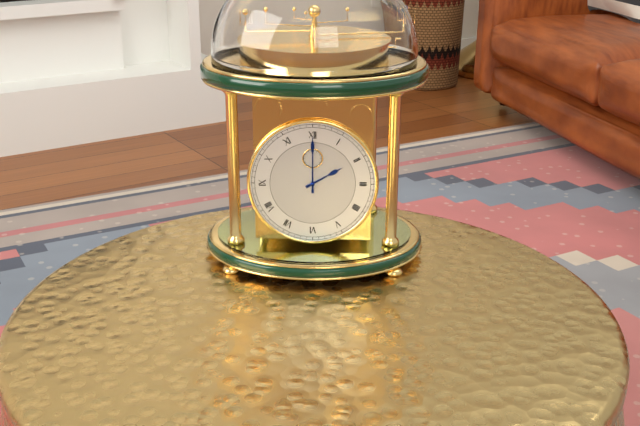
2:00
